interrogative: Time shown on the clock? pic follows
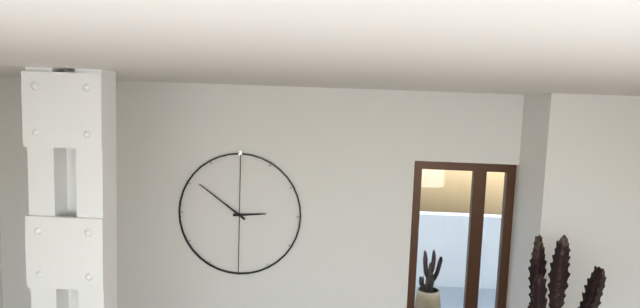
2:51
